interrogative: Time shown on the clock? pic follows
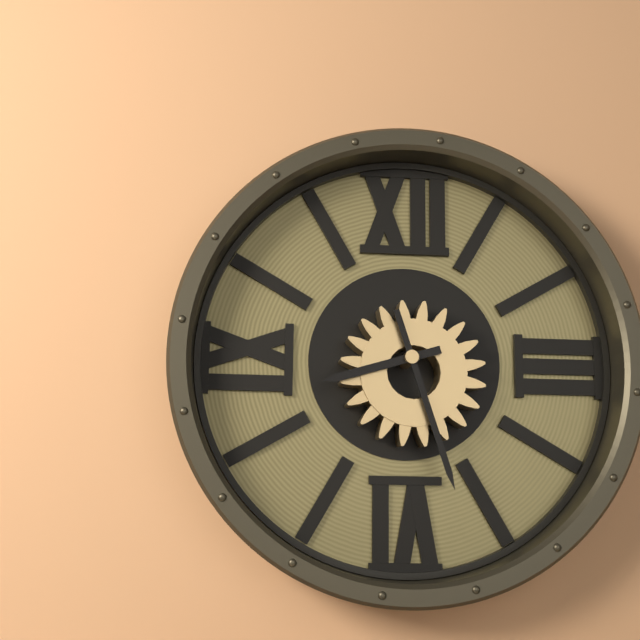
8:27
